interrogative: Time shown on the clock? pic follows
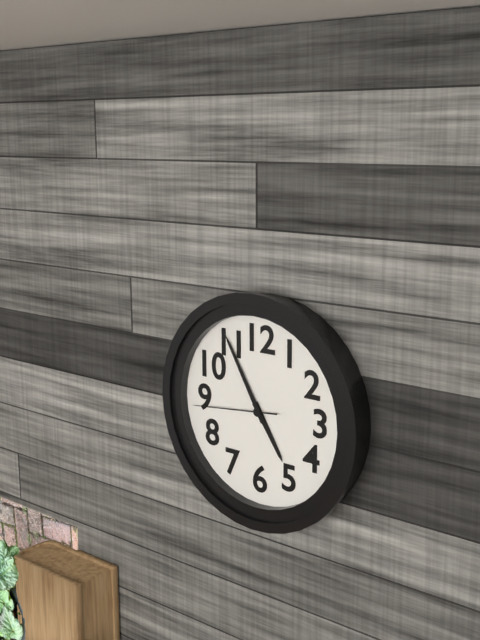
4:55:44
